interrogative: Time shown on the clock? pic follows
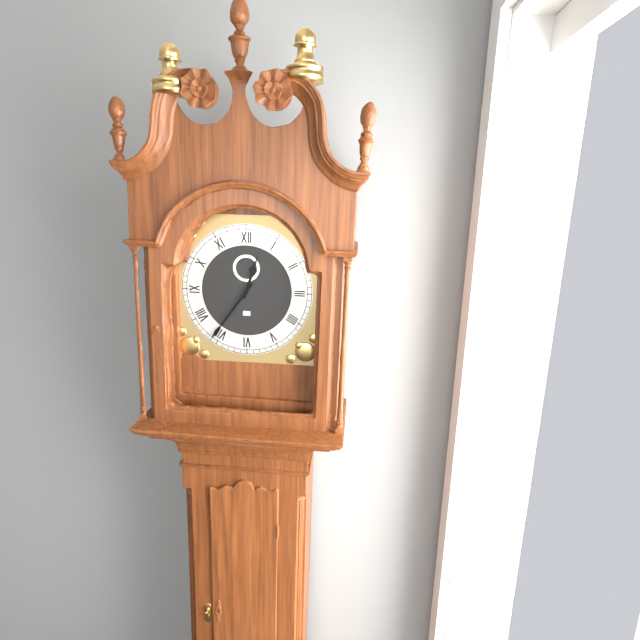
12:36
